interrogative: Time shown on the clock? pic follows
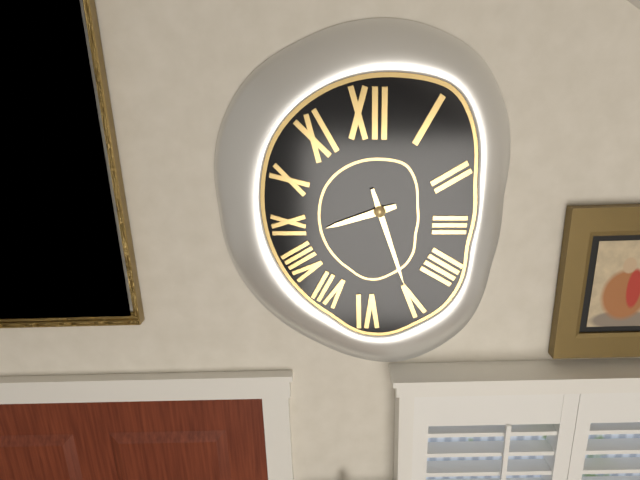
8:27
